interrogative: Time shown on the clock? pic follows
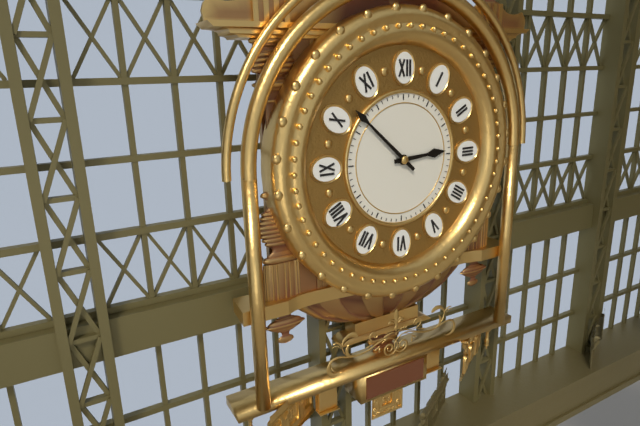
2:52
